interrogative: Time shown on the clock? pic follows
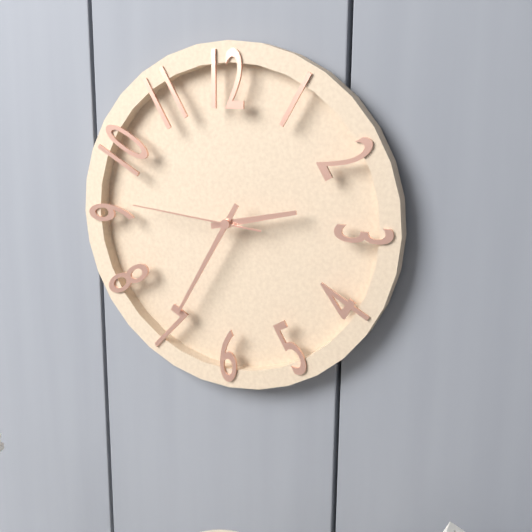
2:35:46
